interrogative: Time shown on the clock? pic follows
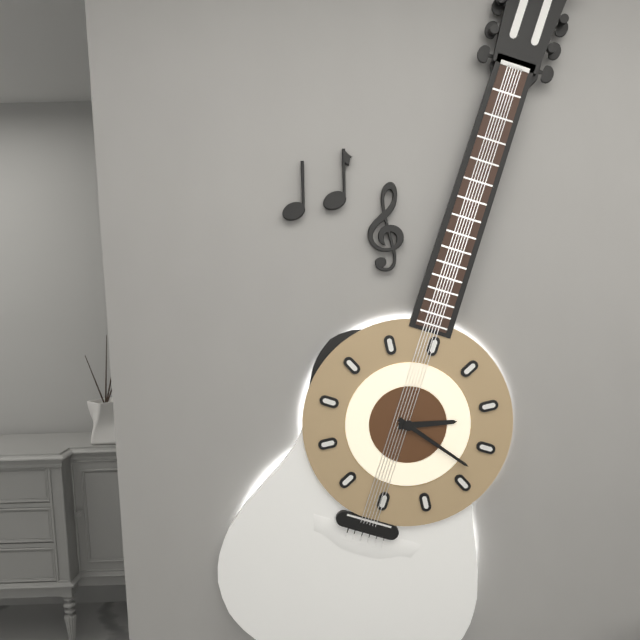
2:18
